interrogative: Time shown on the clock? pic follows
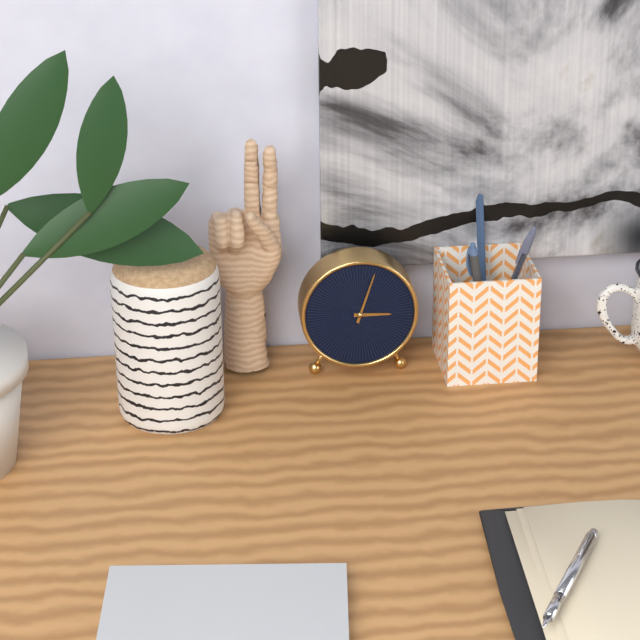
3:03
